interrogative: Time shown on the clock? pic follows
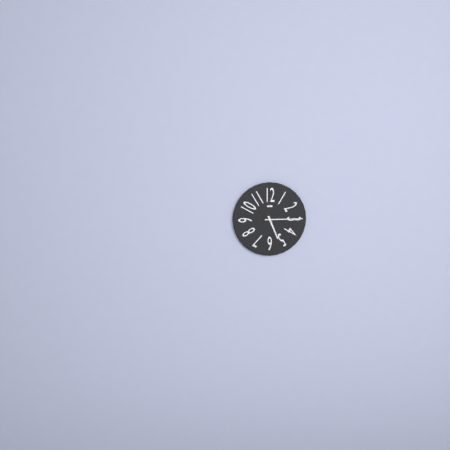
5:15
